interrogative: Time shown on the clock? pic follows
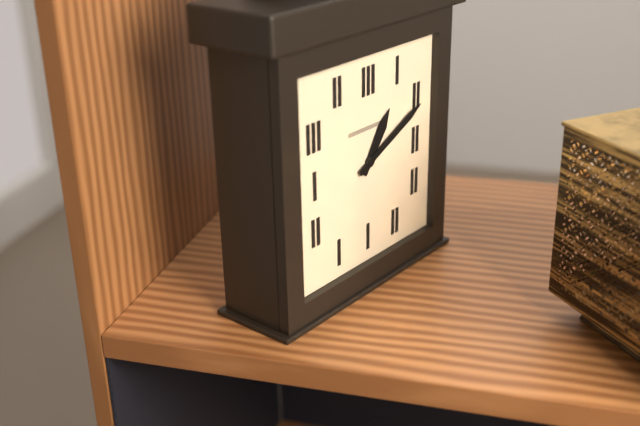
1:11
